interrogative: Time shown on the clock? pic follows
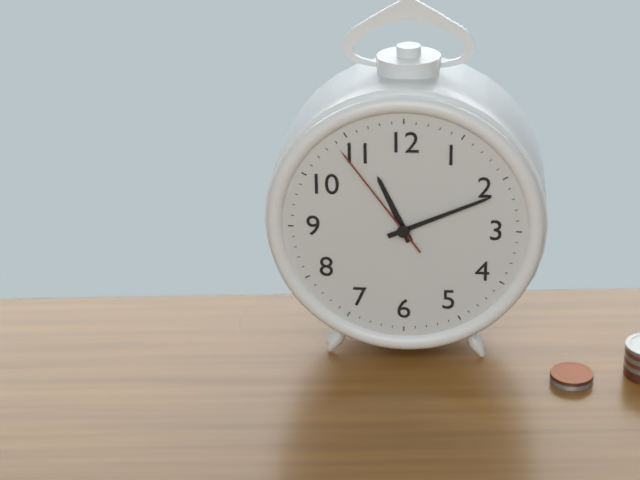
11:11:54
